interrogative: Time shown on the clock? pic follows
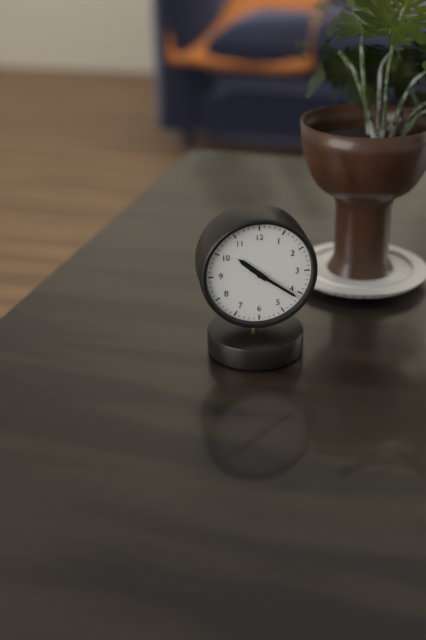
10:21
